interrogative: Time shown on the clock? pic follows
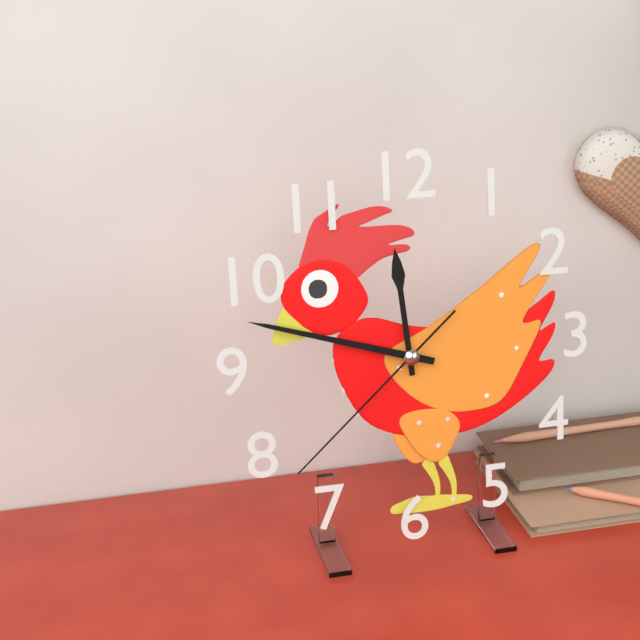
11:48:38
